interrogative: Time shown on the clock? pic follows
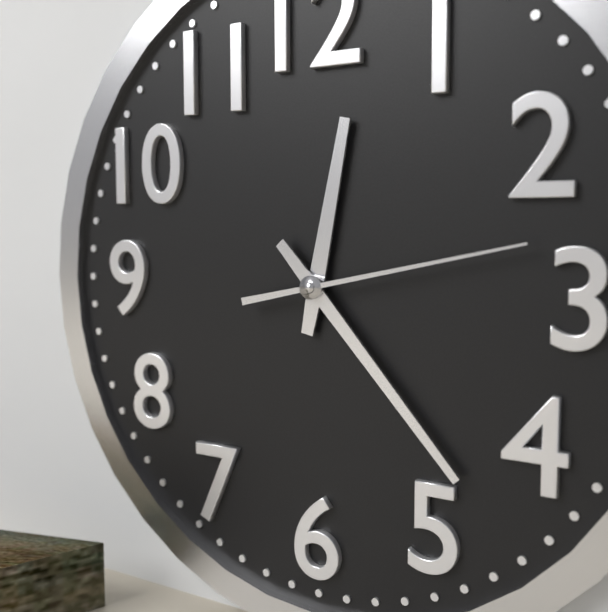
12:23:13
